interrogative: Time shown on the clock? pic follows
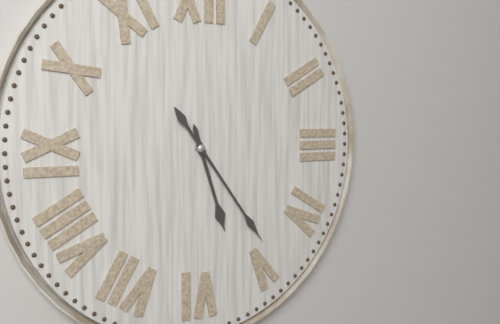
5:24
